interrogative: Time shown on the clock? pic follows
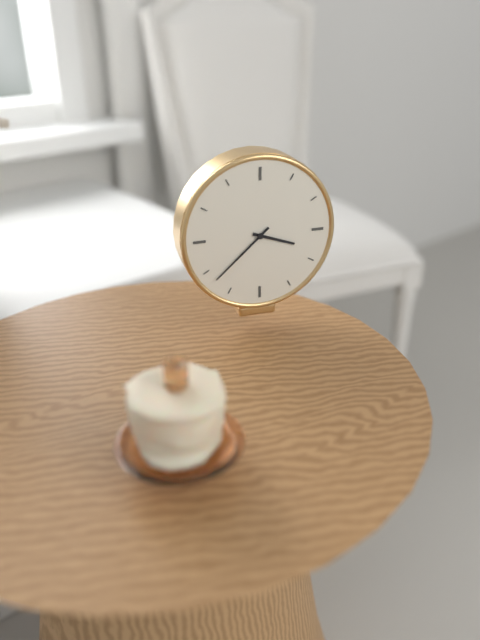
3:38
